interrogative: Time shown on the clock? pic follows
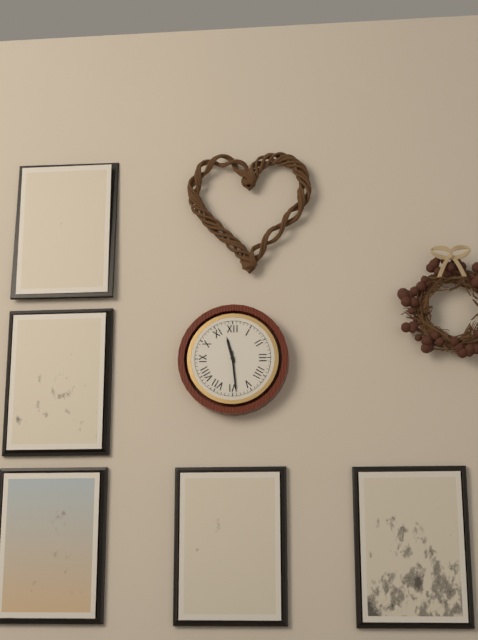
11:29
